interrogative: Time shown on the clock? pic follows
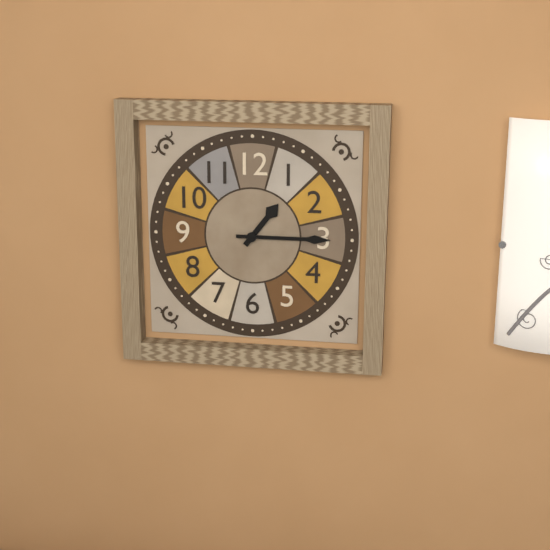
1:15
